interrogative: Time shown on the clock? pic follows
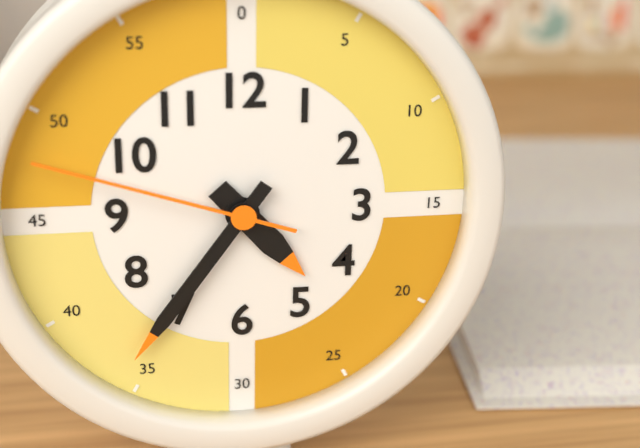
4:36:48
